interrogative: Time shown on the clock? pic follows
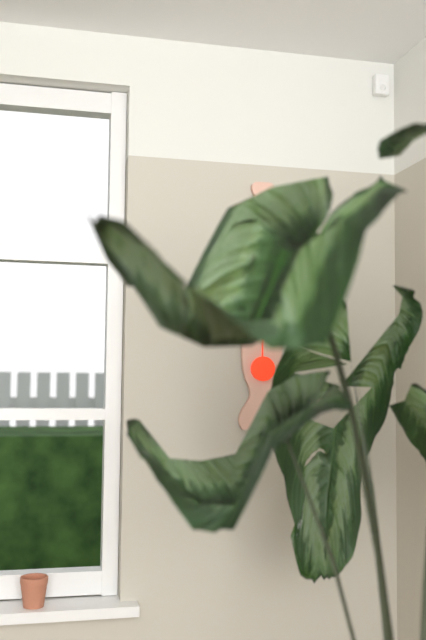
3:09
